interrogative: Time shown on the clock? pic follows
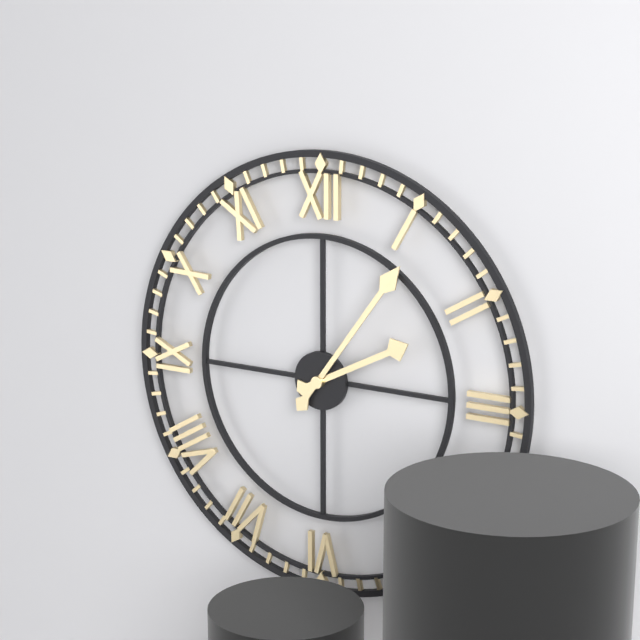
2:06
